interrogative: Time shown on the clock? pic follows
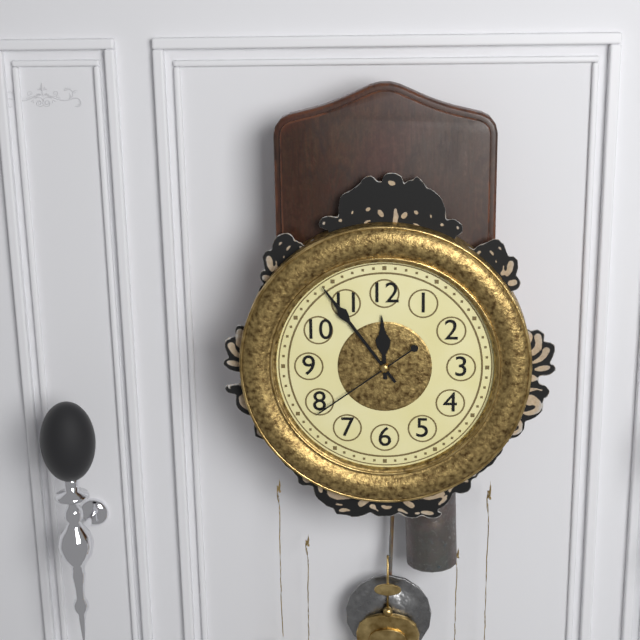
11:54:39
